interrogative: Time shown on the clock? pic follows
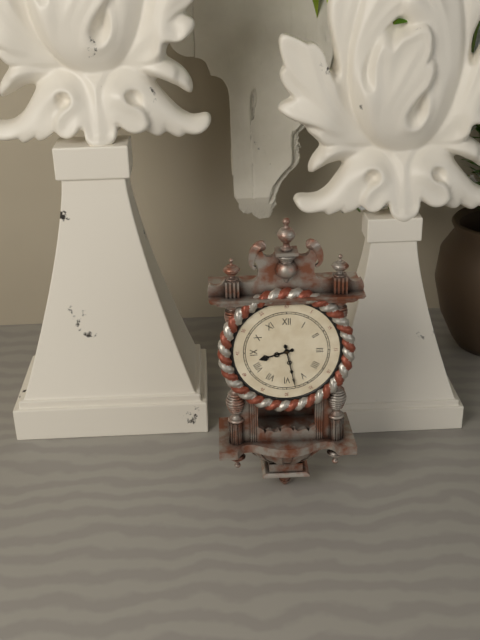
8:28
